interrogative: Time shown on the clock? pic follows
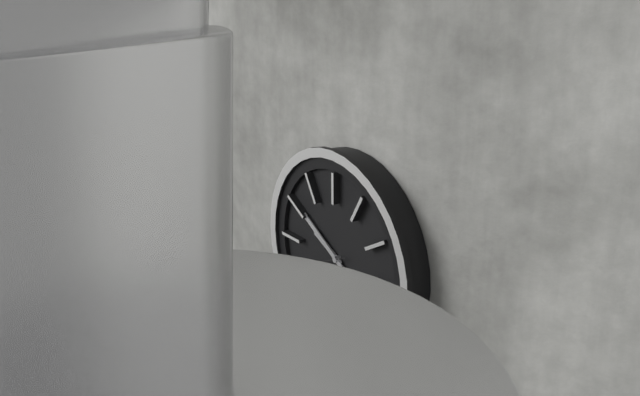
9:50
